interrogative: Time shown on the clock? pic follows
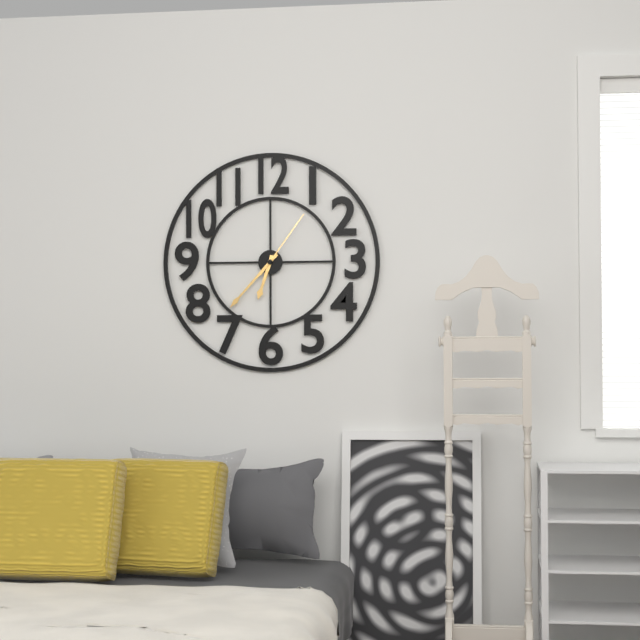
6:37:06
